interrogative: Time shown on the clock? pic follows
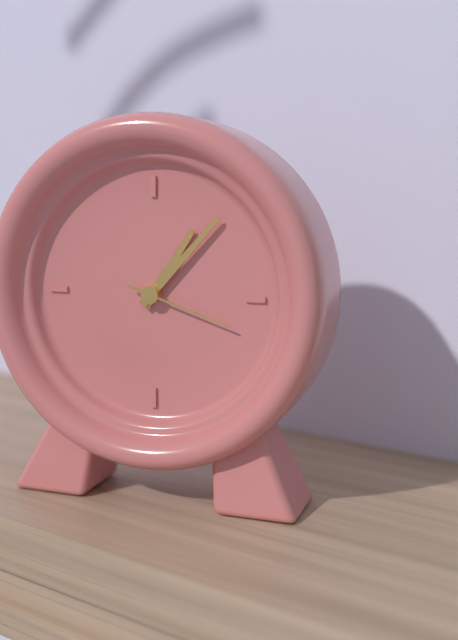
1:07:18
